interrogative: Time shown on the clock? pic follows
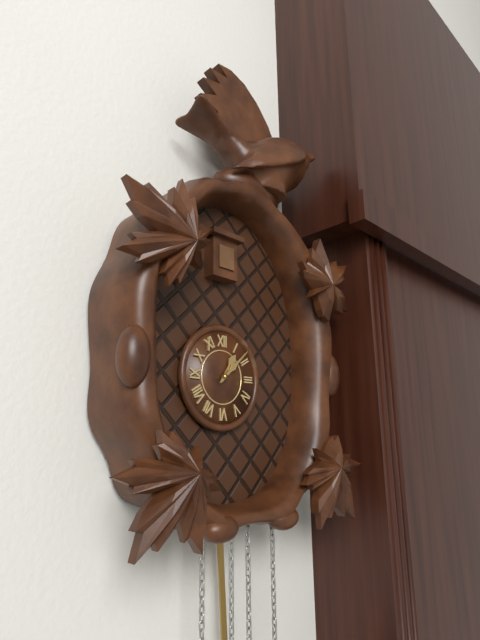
1:08
